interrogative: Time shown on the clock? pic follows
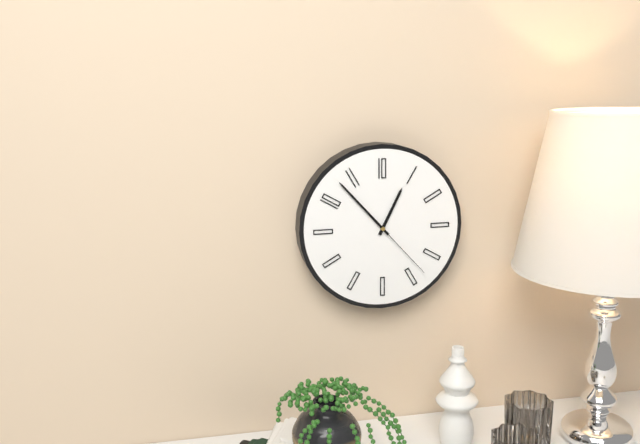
12:53:23
